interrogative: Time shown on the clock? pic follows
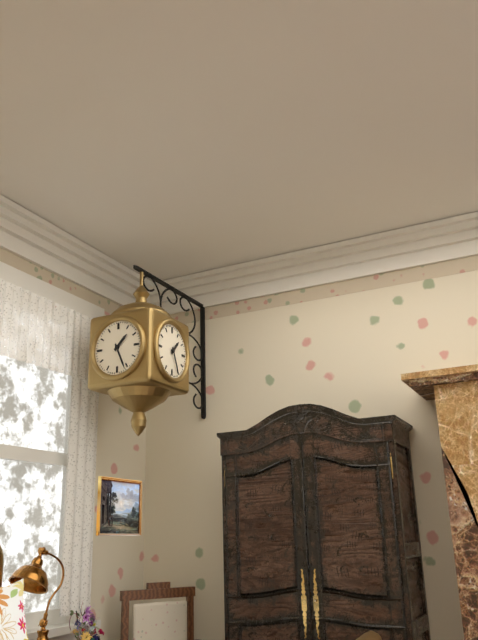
1:26
